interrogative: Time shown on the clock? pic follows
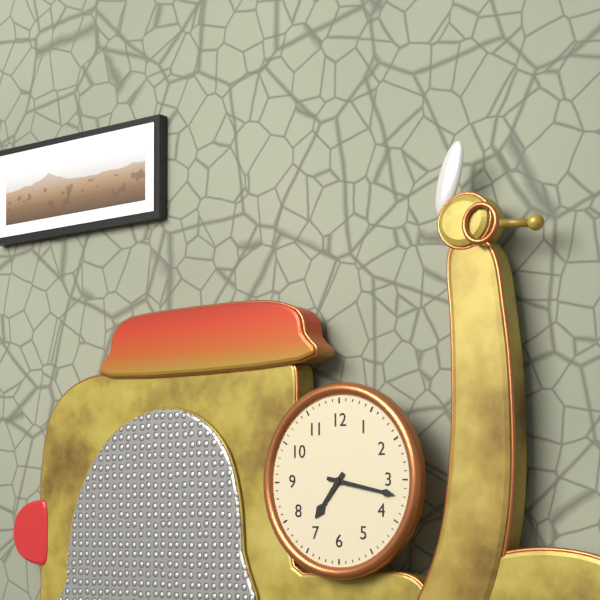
7:17
